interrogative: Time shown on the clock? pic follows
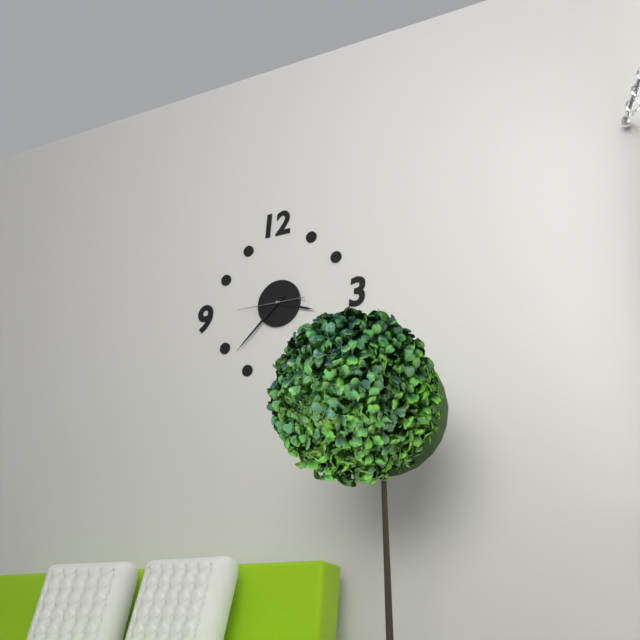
3:38:45
